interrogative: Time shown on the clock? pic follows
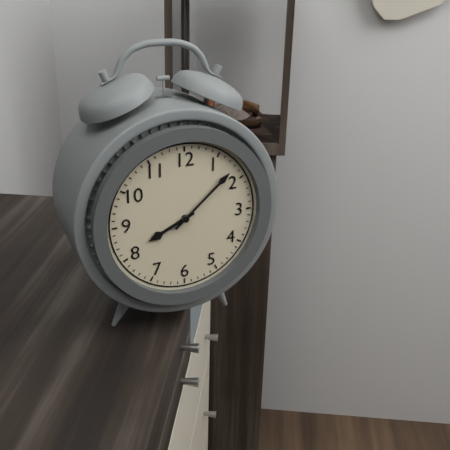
8:08
